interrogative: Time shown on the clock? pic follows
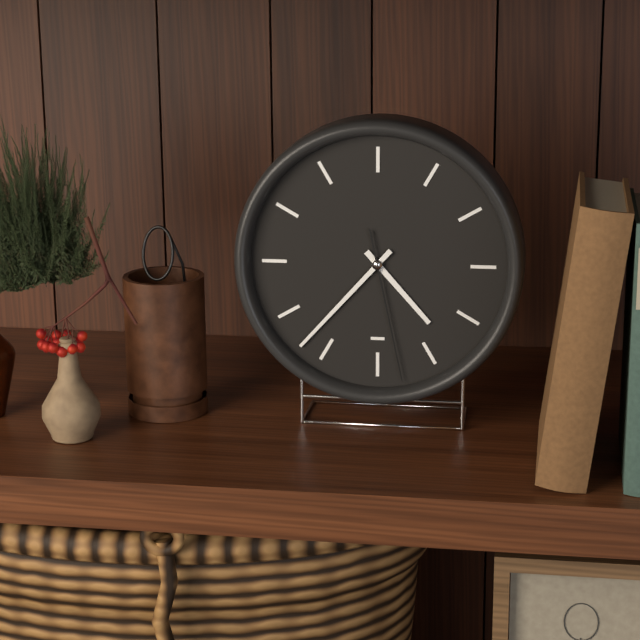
4:37:28
